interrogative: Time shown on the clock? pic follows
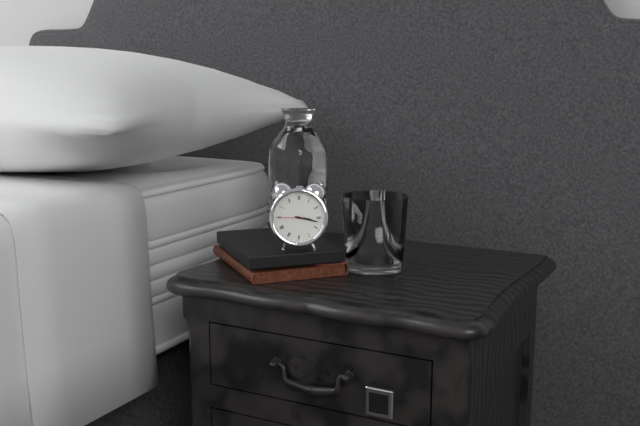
3:17
